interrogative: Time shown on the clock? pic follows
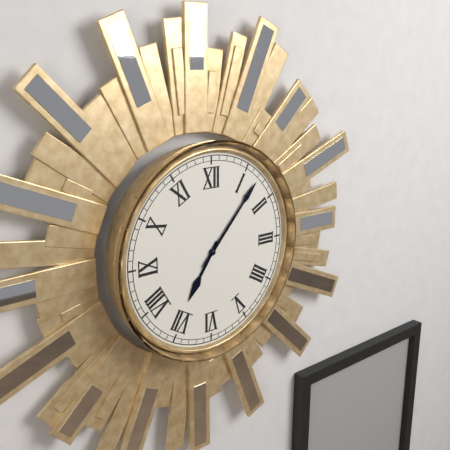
7:07
